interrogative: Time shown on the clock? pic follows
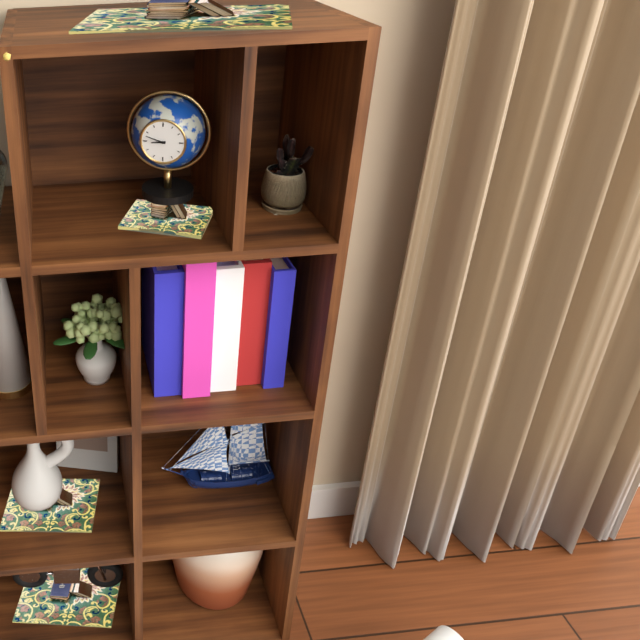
8:48
